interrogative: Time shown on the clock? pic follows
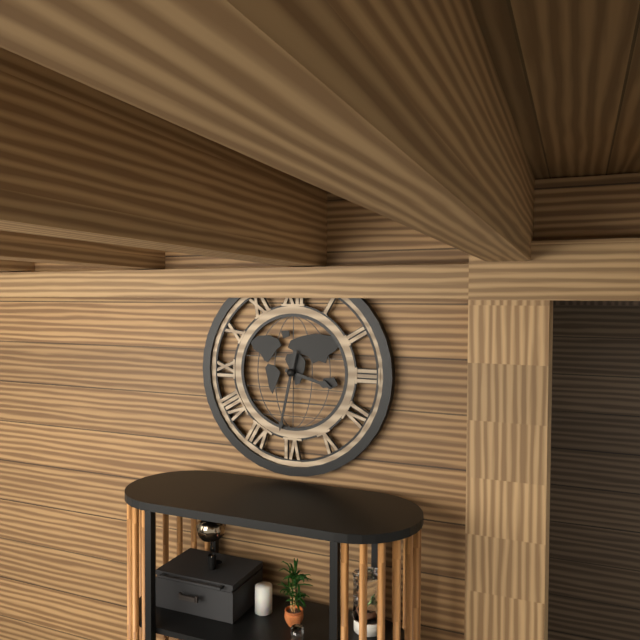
3:32
